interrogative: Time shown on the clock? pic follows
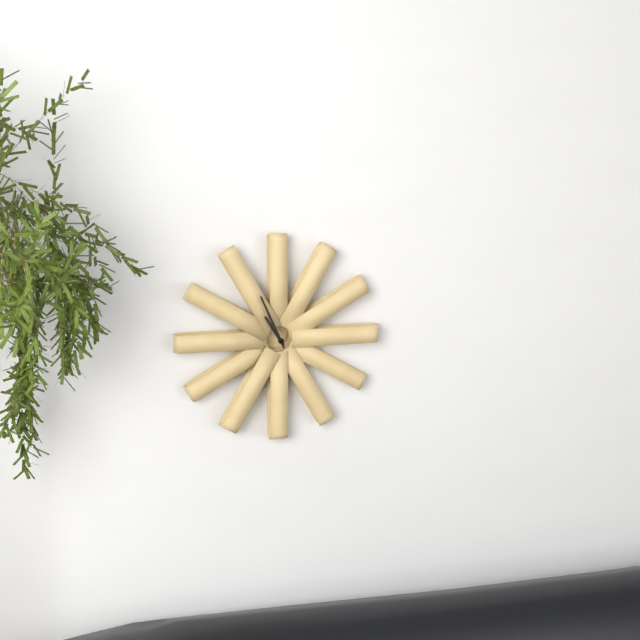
10:56
